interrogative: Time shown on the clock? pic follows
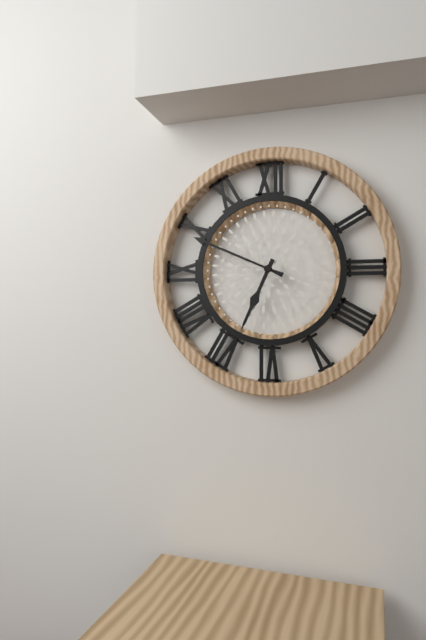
6:49
